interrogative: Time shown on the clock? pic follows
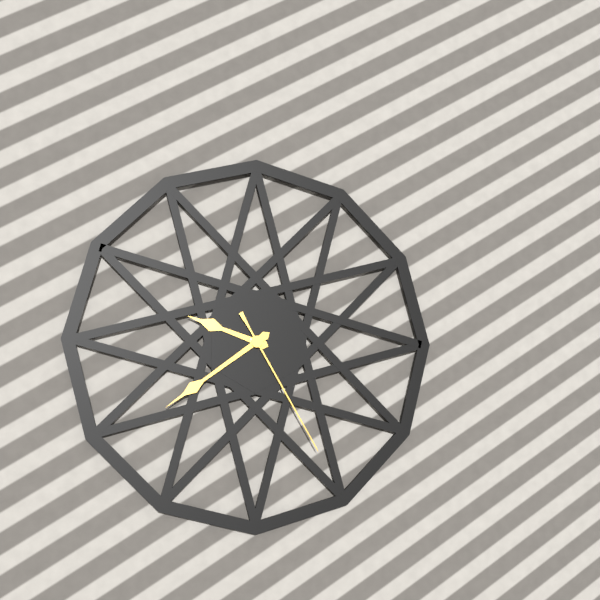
9:39:25
